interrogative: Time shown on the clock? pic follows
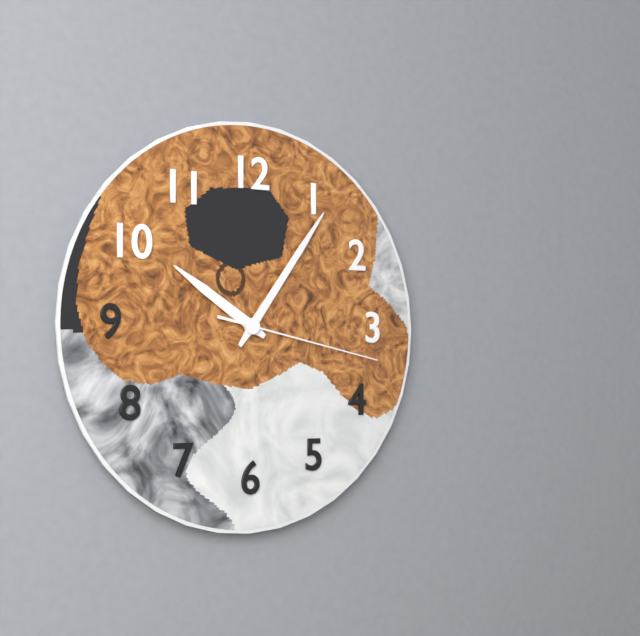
10:06:17
